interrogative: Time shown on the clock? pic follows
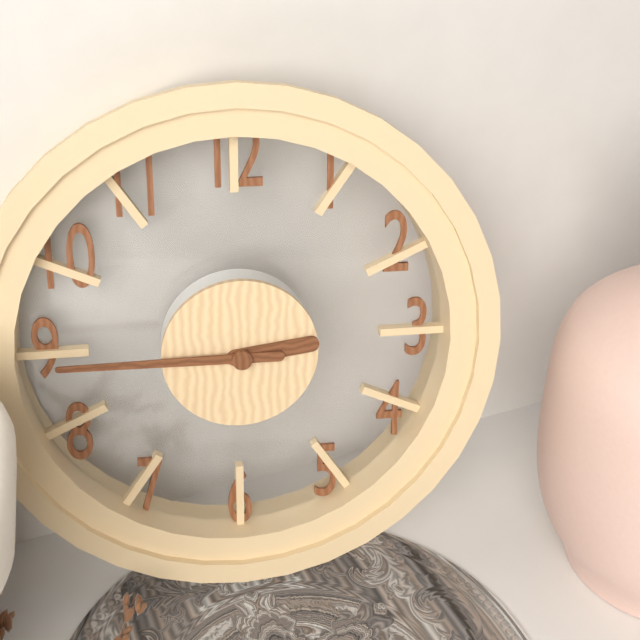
2:45
